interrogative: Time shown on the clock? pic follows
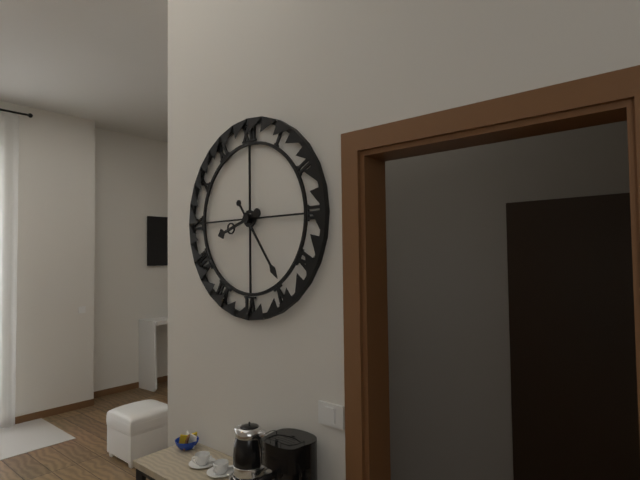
8:24
